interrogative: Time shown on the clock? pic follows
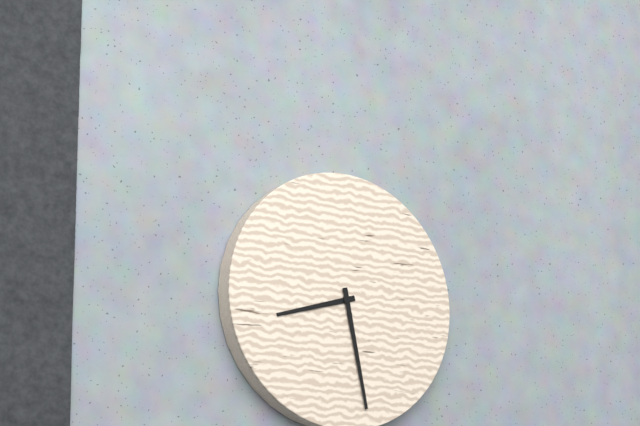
8:28
